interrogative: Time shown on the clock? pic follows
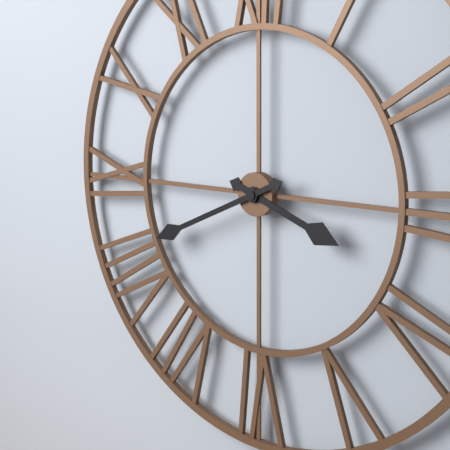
3:41
